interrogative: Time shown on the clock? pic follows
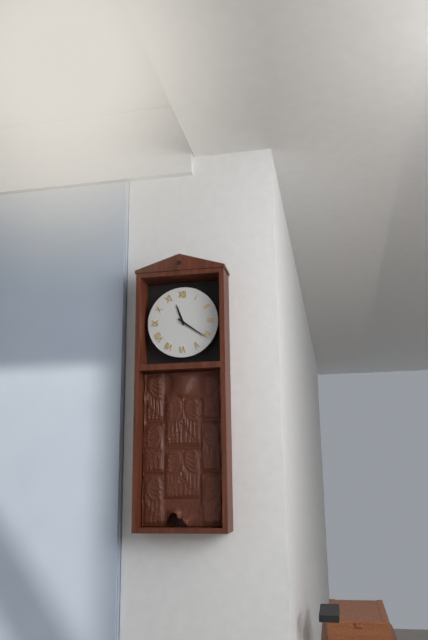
11:21
